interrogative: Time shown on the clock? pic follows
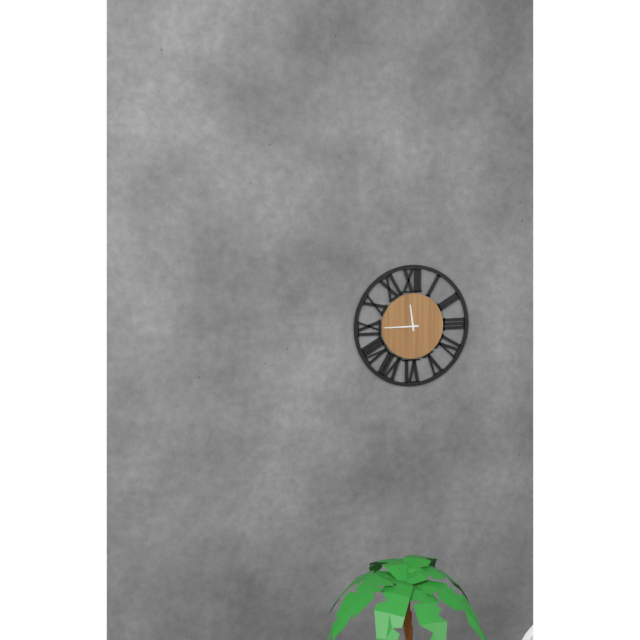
11:45
